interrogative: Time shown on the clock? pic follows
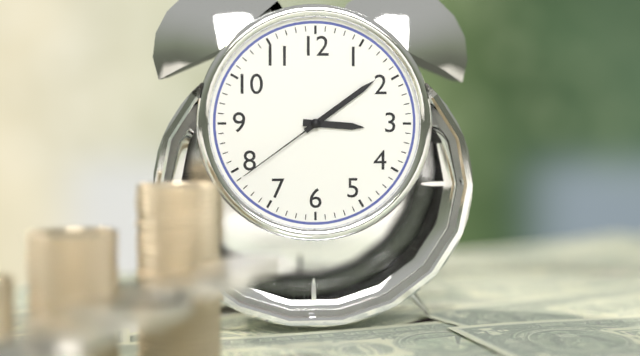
3:09:39
